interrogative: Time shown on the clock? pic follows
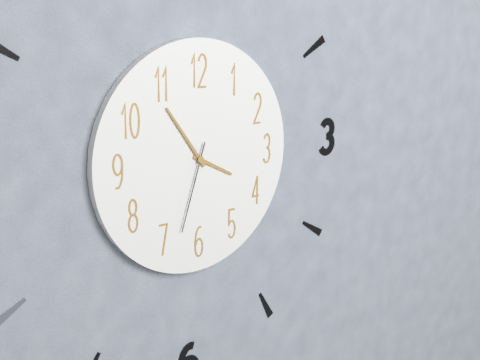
3:54:33
